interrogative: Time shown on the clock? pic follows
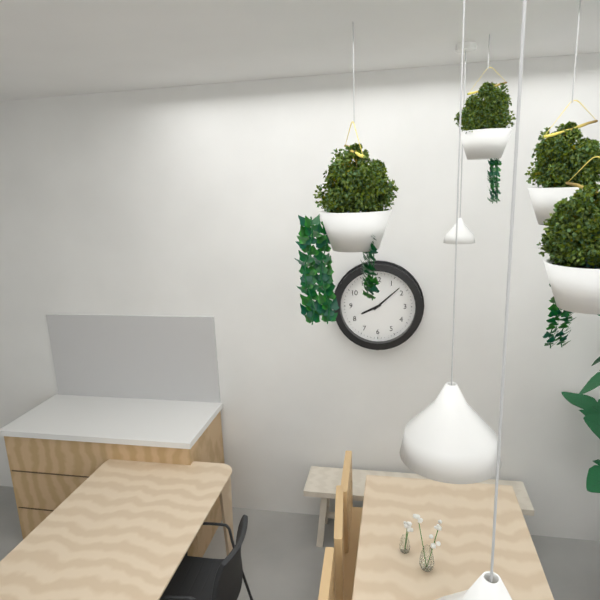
8:08
